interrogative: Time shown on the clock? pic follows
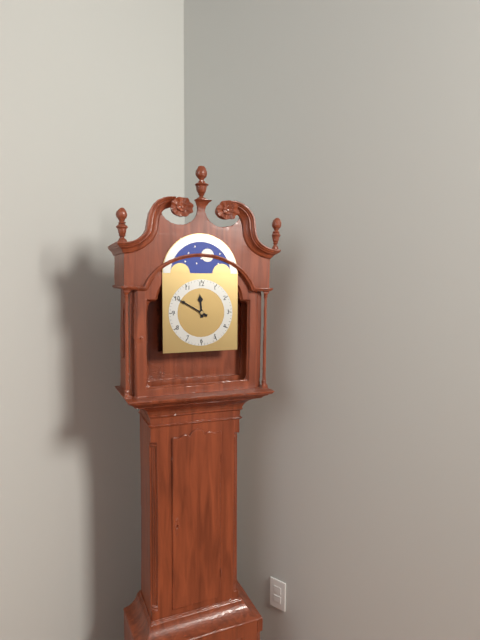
11:50
